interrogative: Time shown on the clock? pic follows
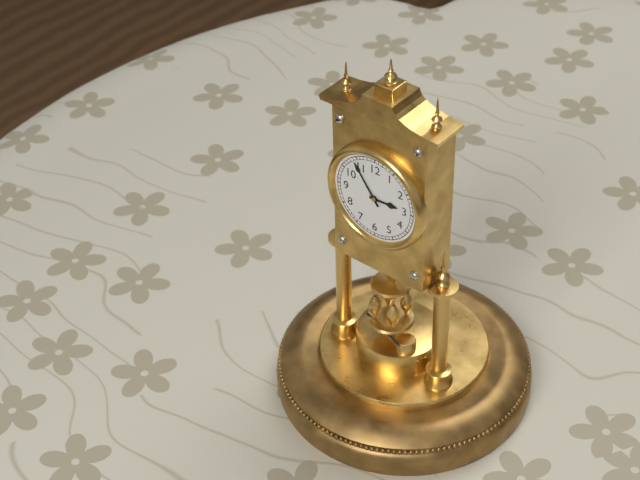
2:54
